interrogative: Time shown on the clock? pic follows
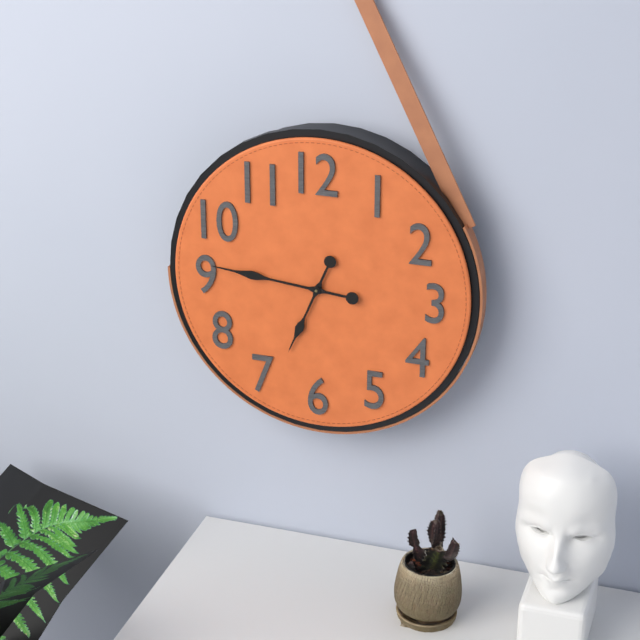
6:46
